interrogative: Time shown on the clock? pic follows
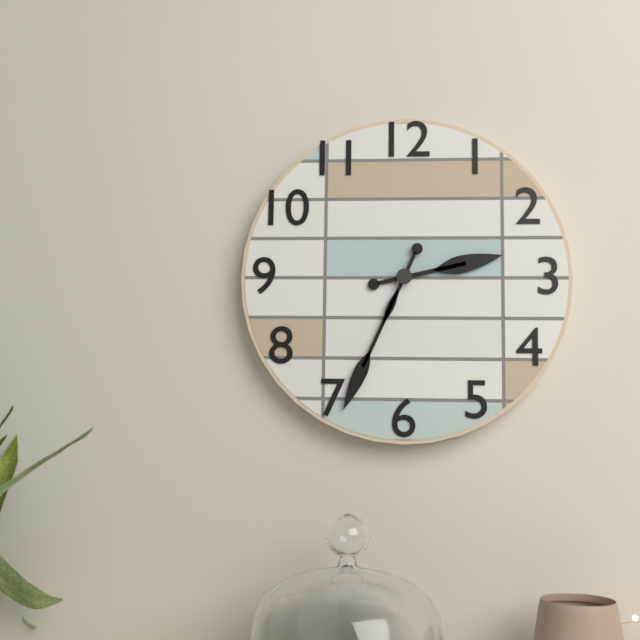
2:34
